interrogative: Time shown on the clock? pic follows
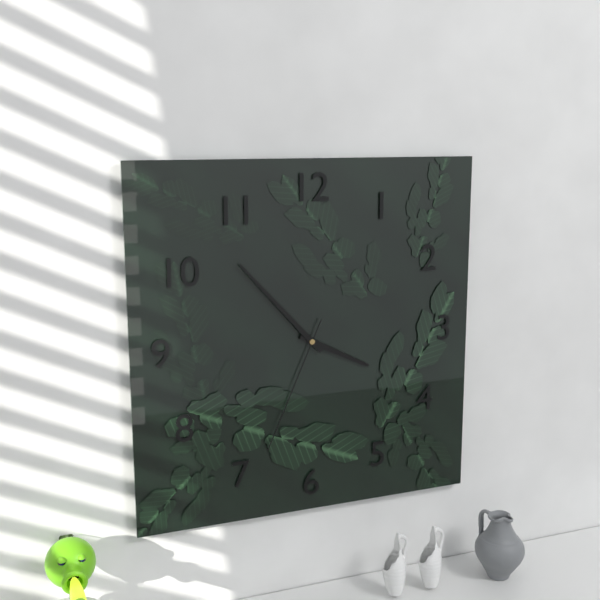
3:53:34
